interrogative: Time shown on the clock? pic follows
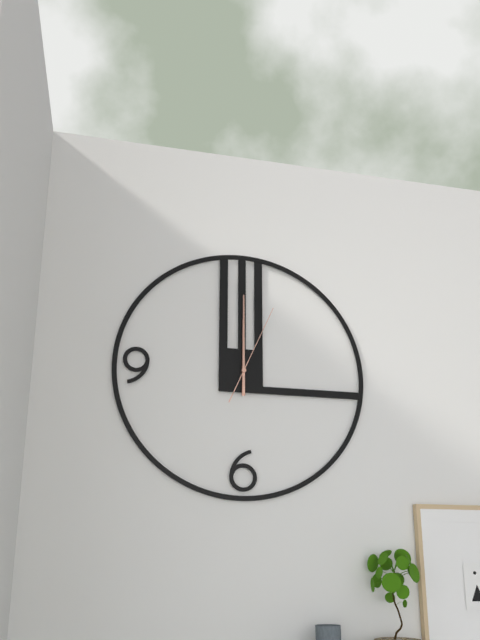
12:00:04
